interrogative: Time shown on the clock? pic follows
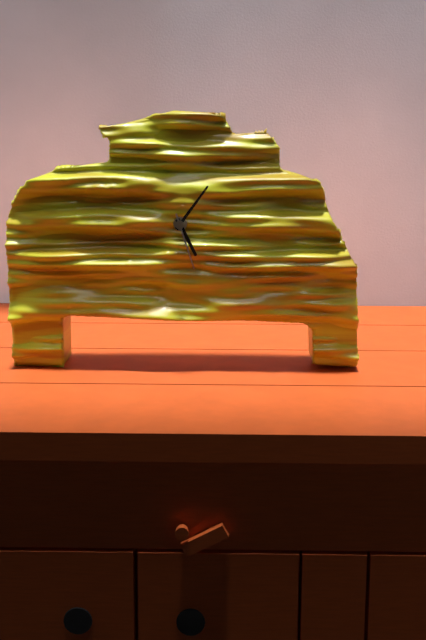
5:06:27
